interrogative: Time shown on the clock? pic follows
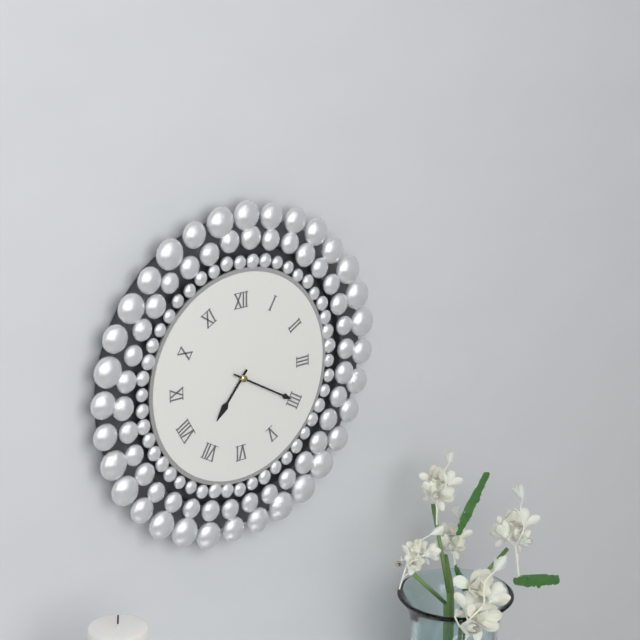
7:20
